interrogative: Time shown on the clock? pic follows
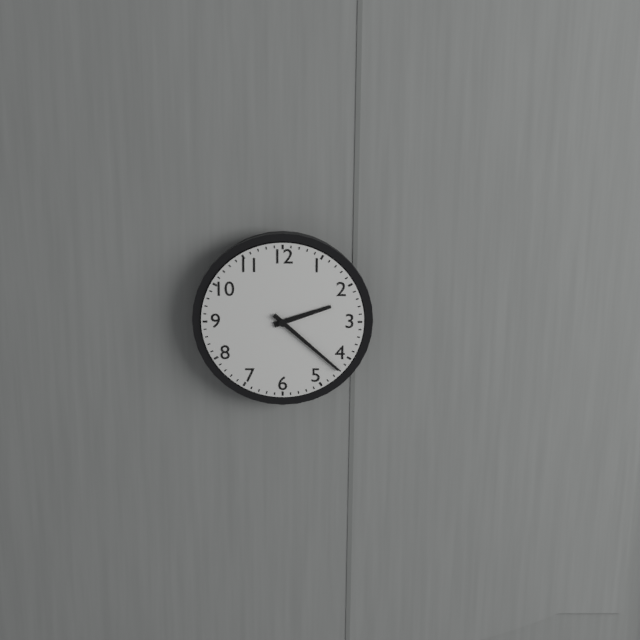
2:22
